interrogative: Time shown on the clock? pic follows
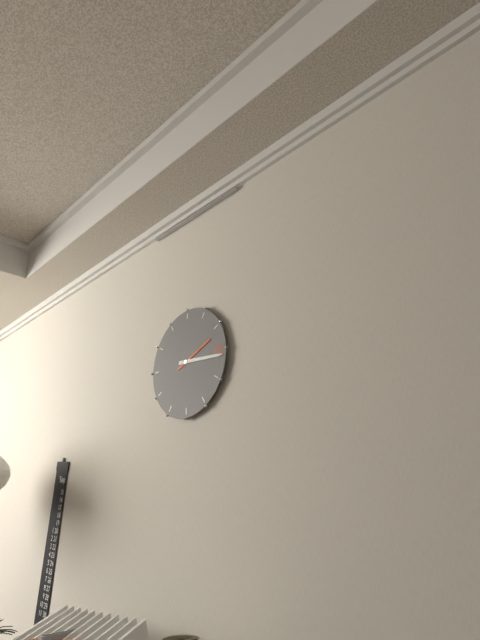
2:16
